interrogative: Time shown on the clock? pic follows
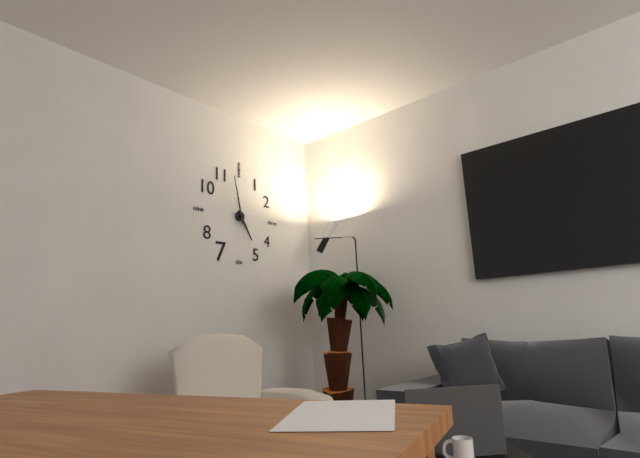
4:58
